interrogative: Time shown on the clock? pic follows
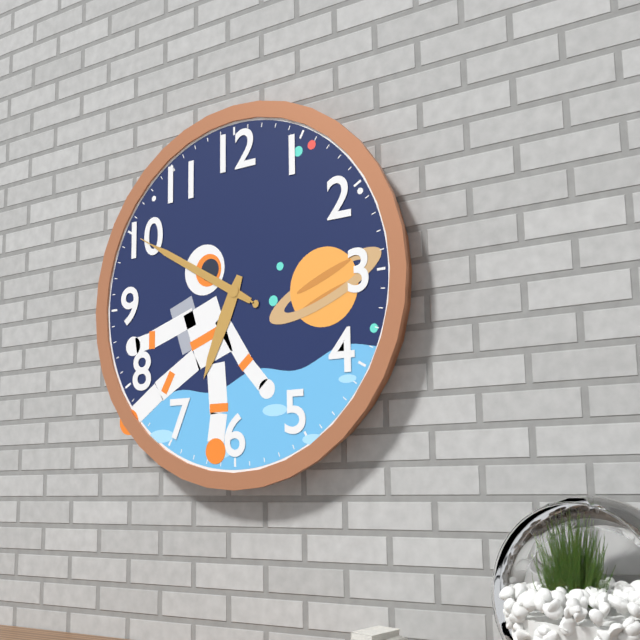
6:50:50
